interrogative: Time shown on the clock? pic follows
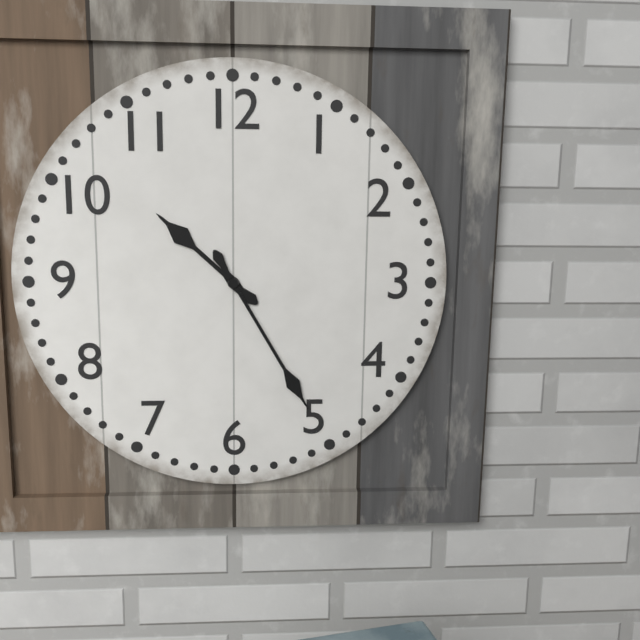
10:25
